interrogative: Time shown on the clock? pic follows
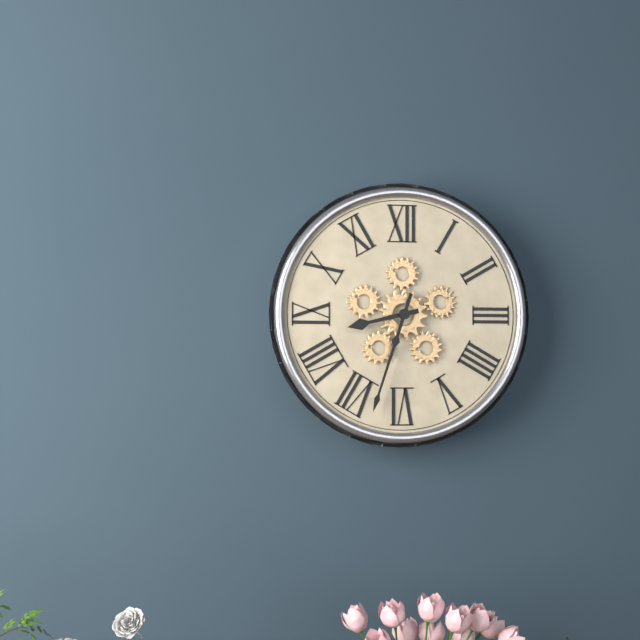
8:33
